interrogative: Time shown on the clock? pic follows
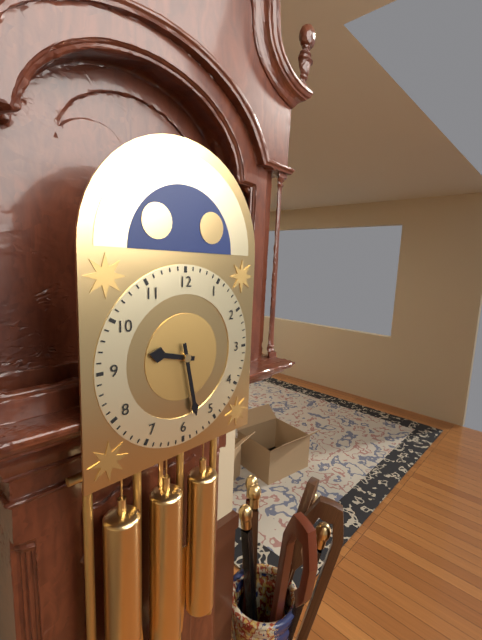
9:28
